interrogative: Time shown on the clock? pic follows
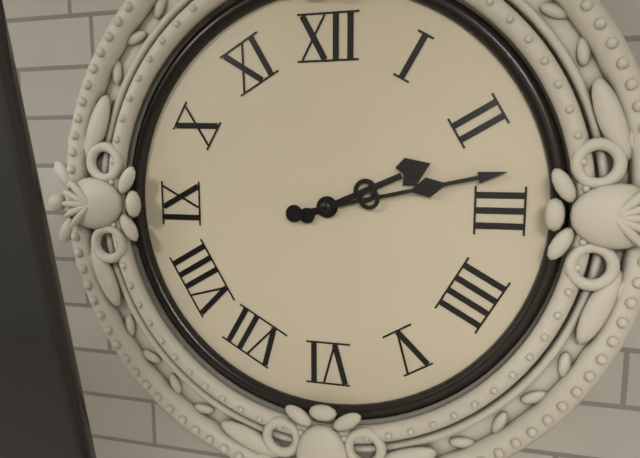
2:13
